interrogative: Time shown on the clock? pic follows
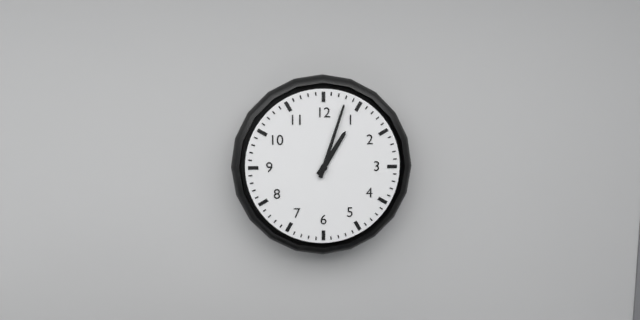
1:03
